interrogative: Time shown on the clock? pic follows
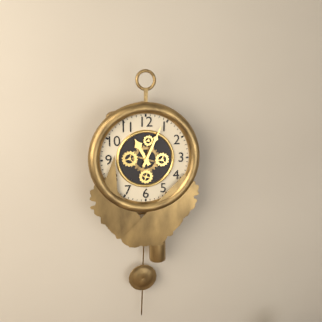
11:04
